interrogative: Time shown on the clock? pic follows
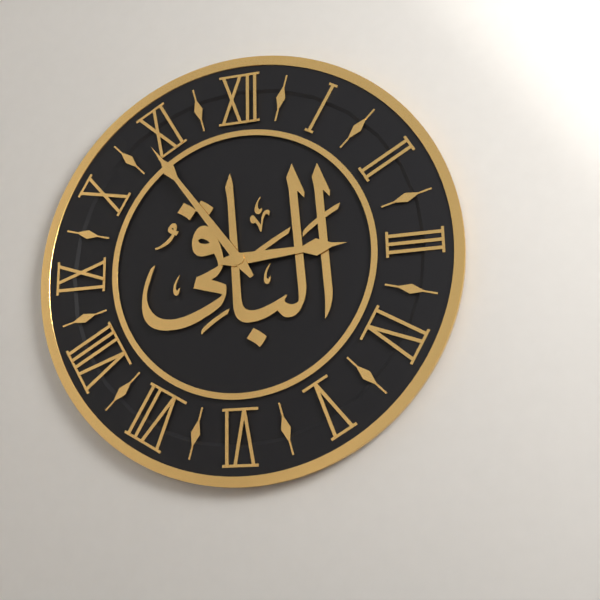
2:54
